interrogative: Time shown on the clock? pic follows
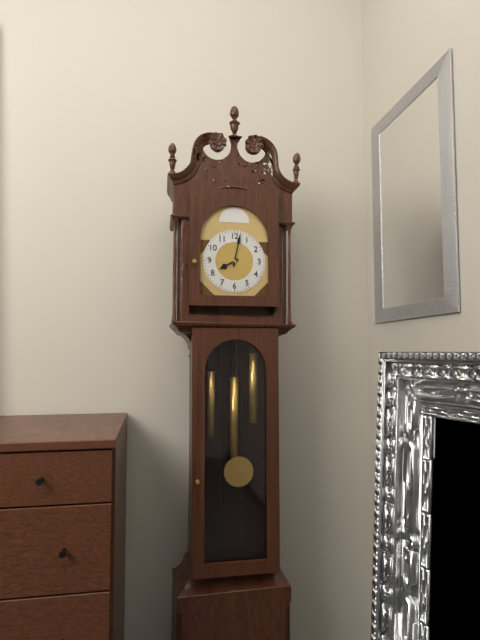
8:02
